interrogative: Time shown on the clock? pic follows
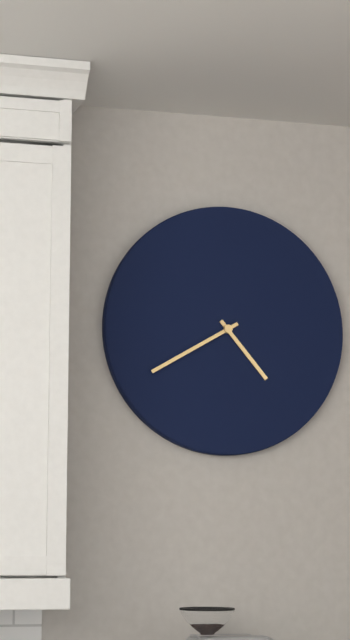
4:40
